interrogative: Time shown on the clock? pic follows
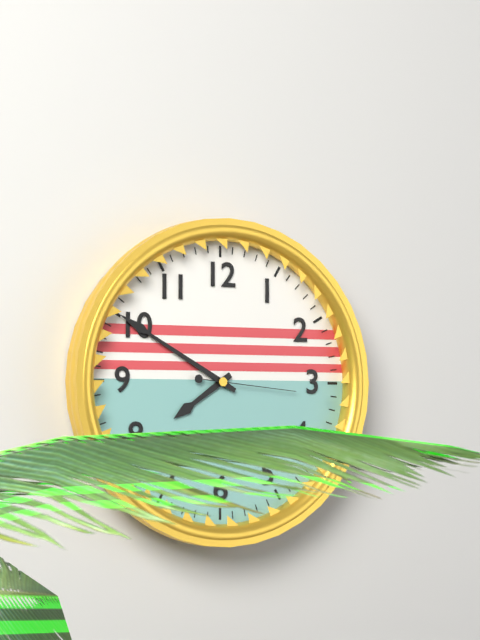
7:50:16
